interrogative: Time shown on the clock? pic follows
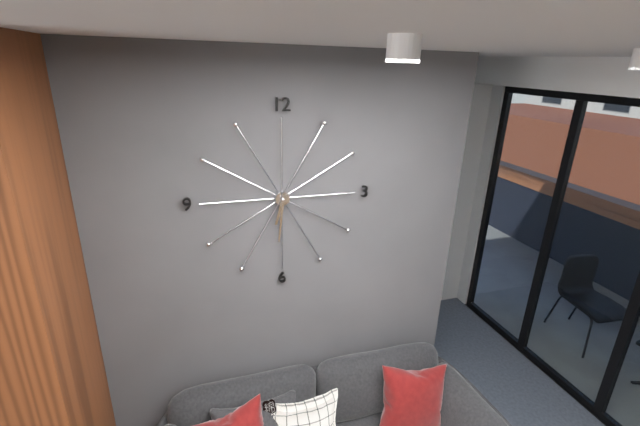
6:31
